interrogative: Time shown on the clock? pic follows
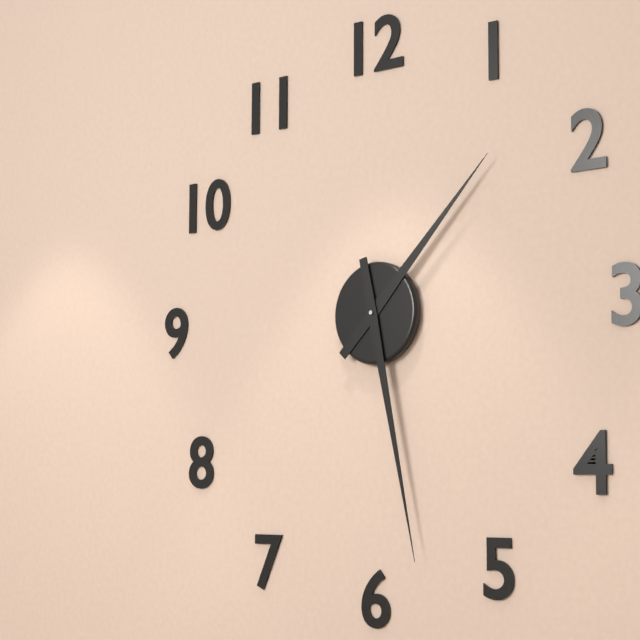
1:28
